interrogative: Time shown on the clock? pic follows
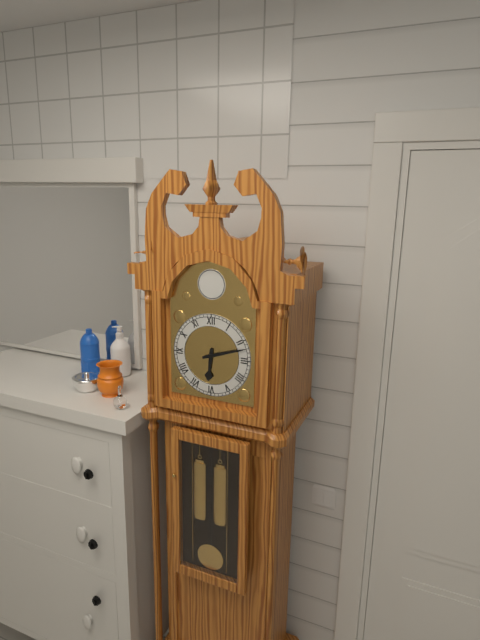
6:12
